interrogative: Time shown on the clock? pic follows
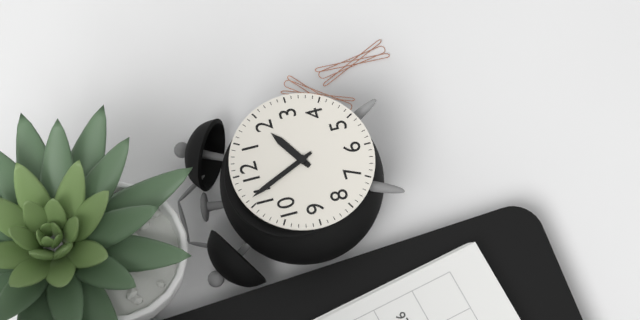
1:56
